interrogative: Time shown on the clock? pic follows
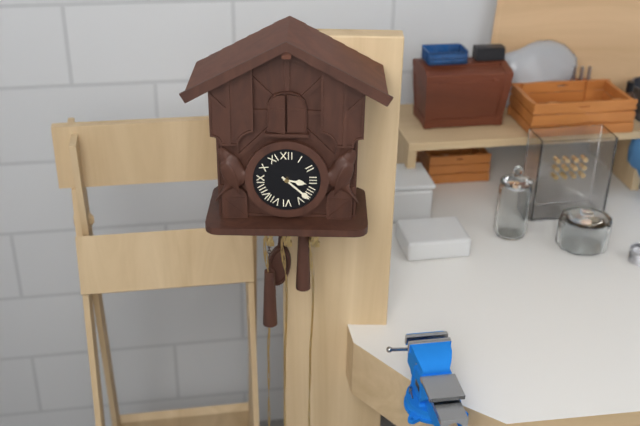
3:22
